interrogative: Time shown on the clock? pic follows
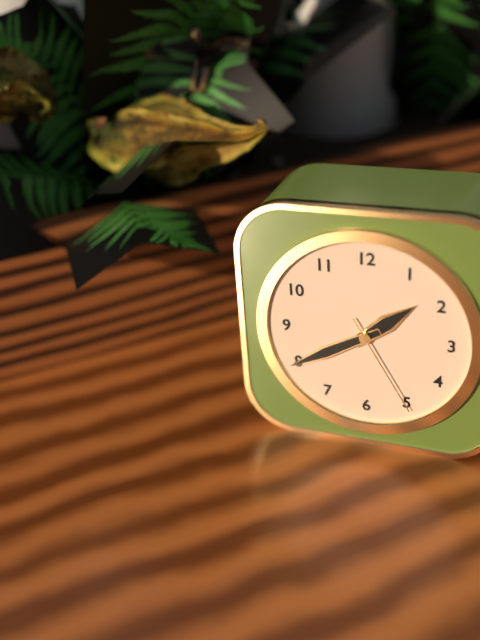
1:40:25
